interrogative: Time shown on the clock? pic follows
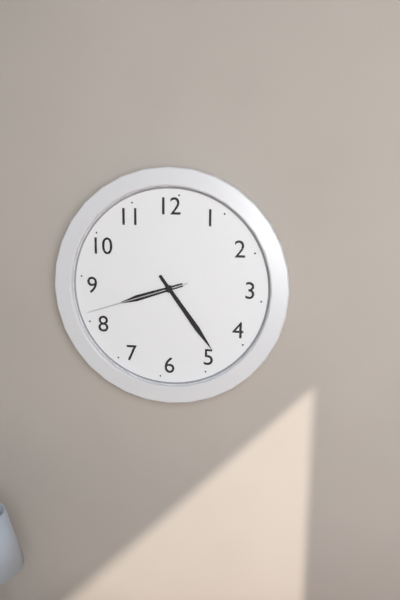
8:24:42
